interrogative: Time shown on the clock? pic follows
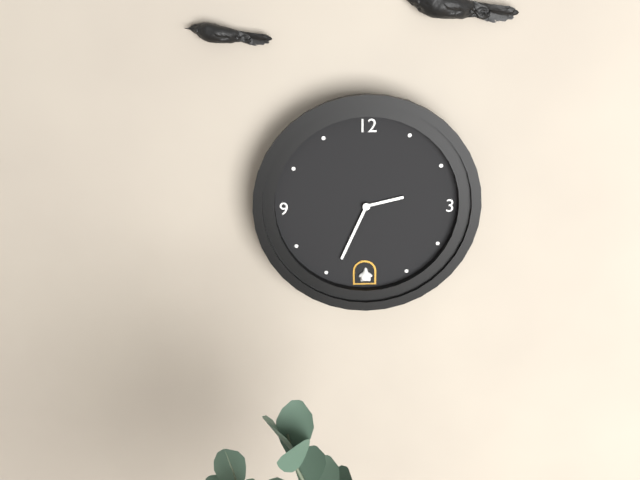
2:34
